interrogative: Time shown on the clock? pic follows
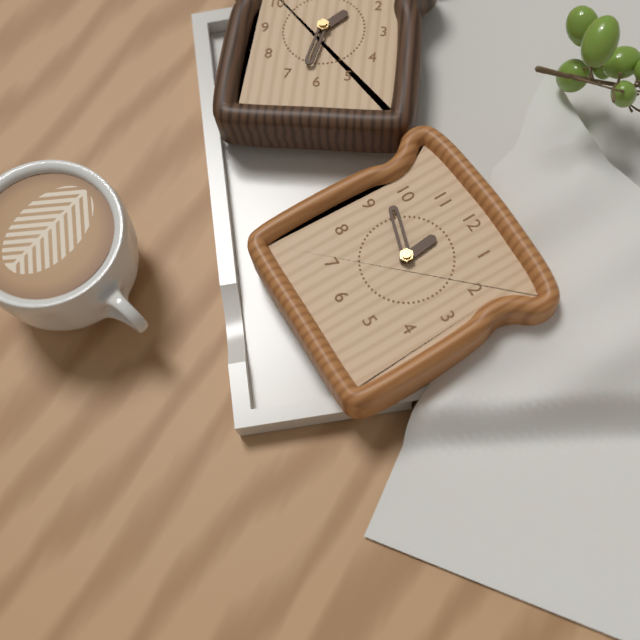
11:48
